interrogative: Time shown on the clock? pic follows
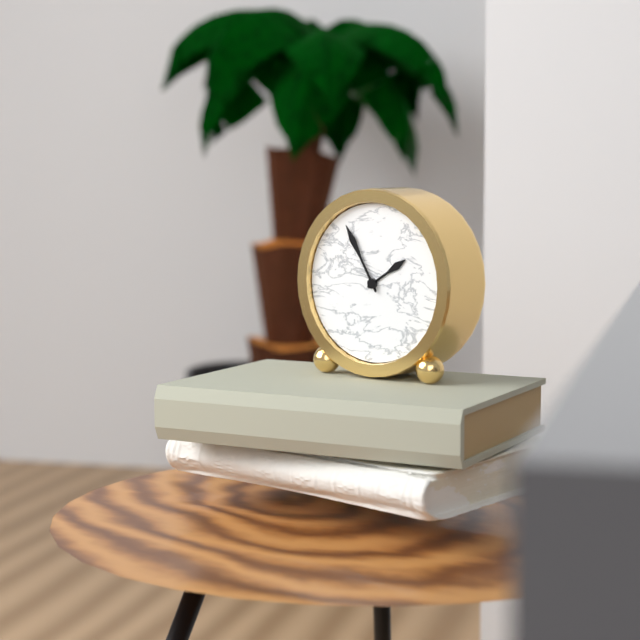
1:55
